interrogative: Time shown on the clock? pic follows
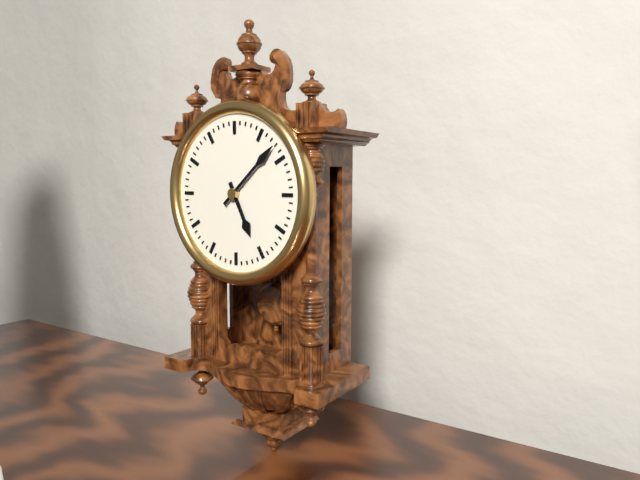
5:08
